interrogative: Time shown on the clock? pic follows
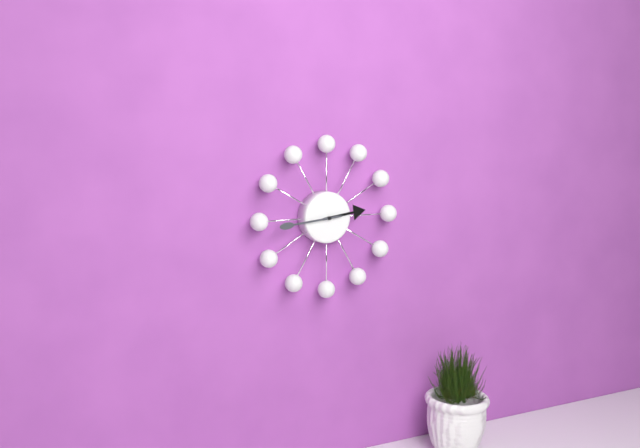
2:44
